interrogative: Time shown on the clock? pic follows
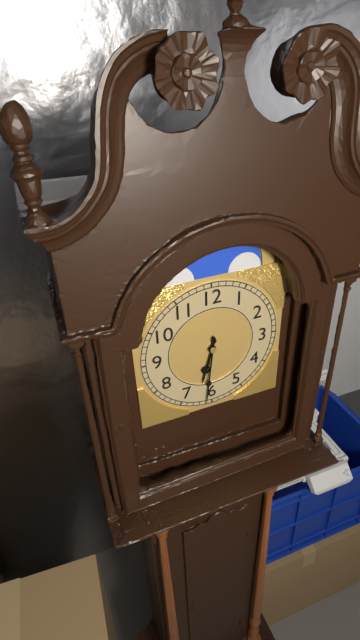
6:31
